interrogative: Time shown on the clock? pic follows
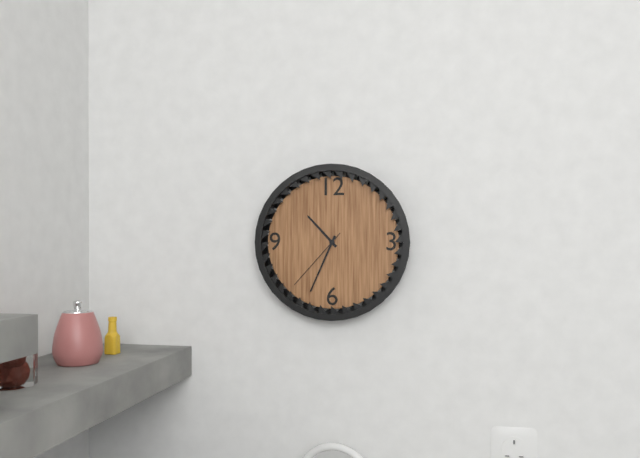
10:34:37
